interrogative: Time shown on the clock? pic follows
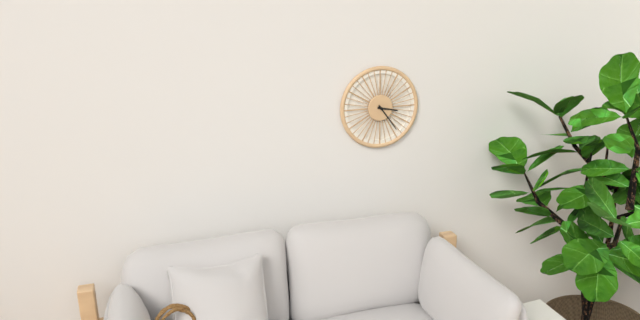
3:24
